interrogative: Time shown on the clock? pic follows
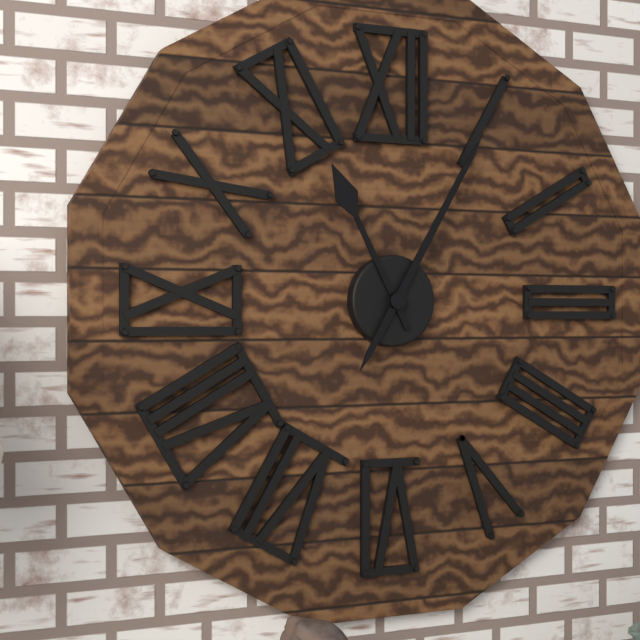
11:05
